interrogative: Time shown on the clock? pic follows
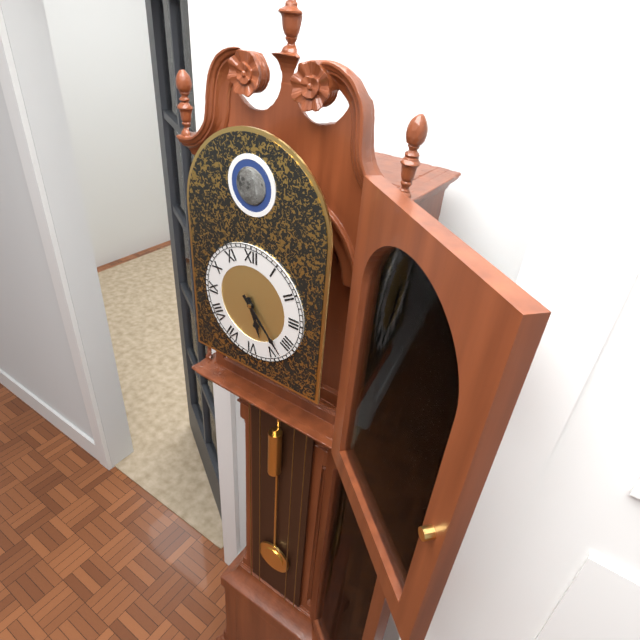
5:23
